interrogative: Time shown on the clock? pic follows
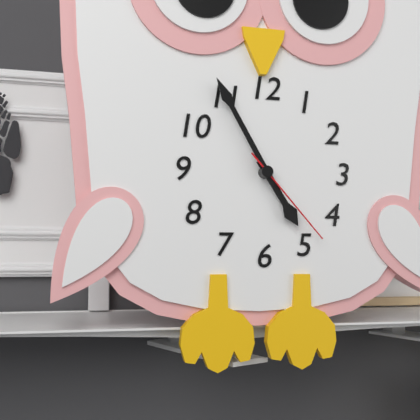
4:55:23
